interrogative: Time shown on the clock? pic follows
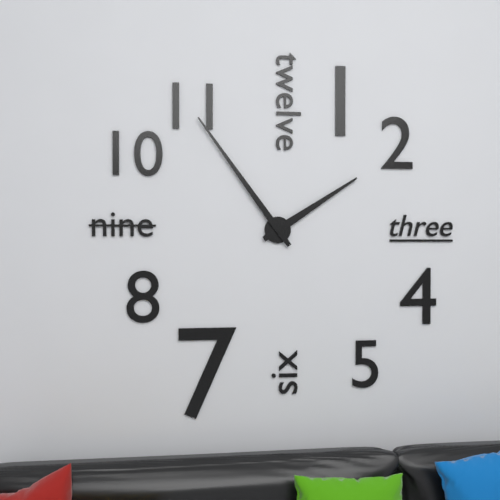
1:54
